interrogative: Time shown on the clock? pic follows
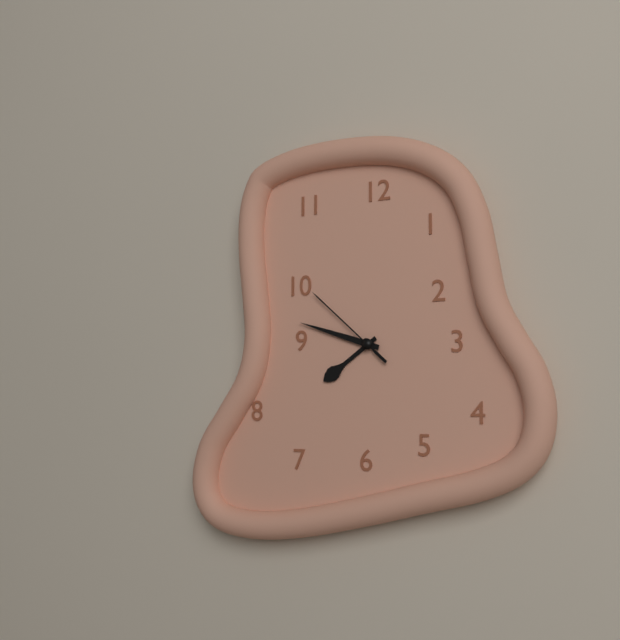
7:48:52
